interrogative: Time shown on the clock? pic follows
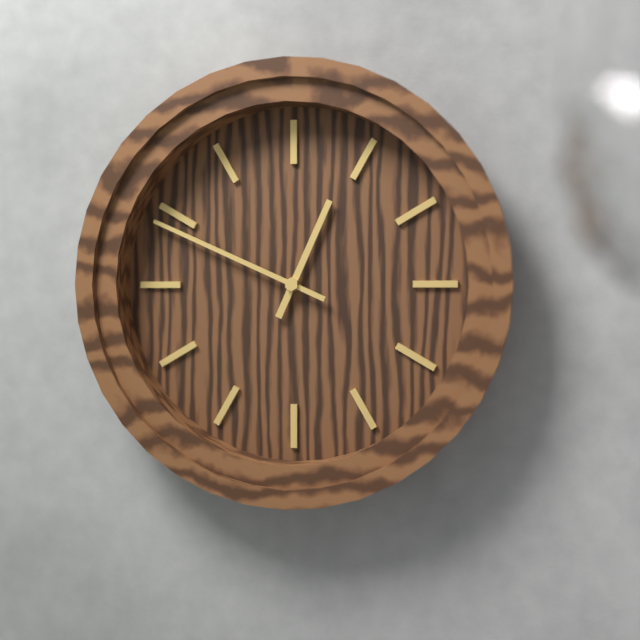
12:49
